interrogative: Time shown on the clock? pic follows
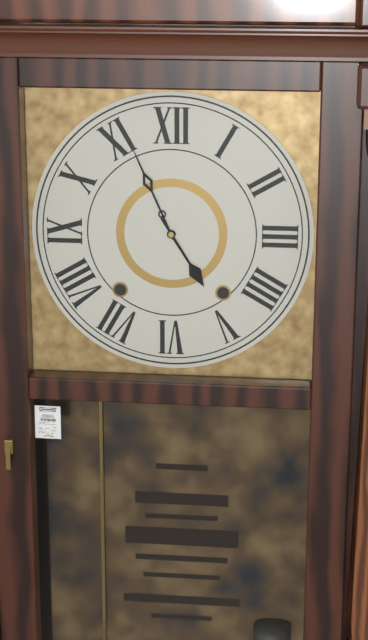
4:56
